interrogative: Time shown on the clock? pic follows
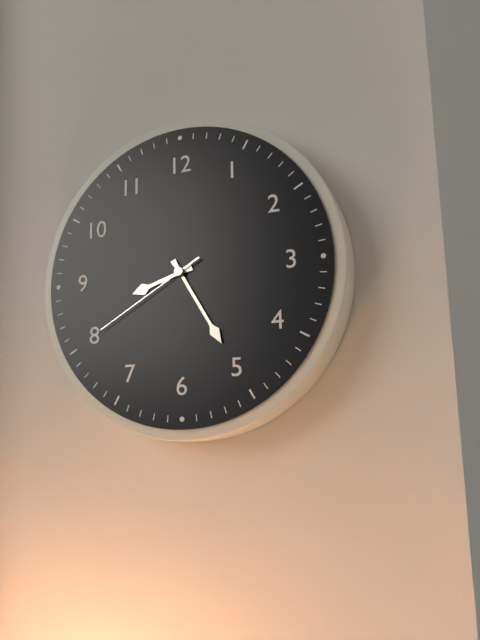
8:25:40
